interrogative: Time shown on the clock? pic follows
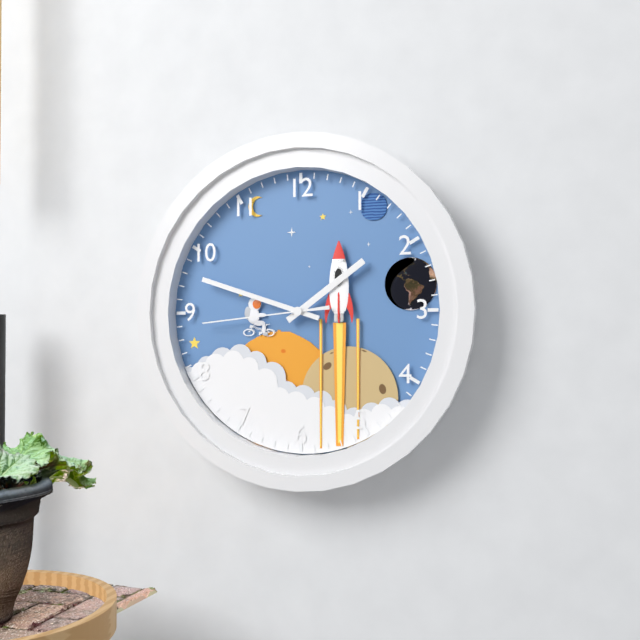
1:48:44
